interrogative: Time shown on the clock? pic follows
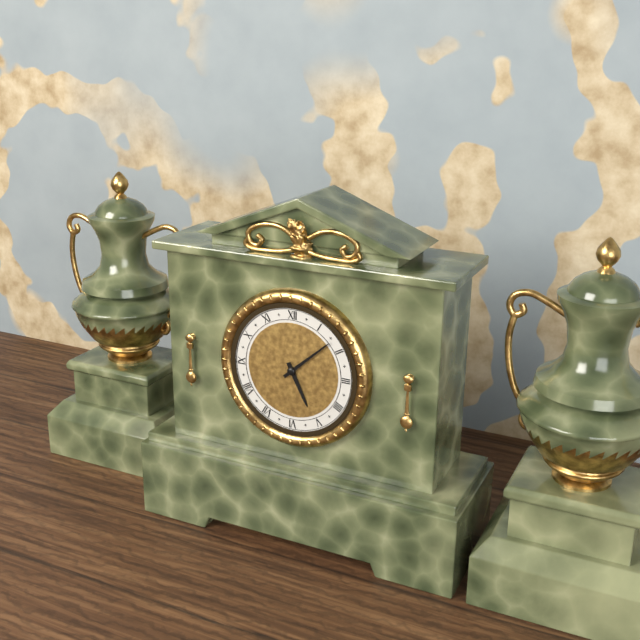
5:08
